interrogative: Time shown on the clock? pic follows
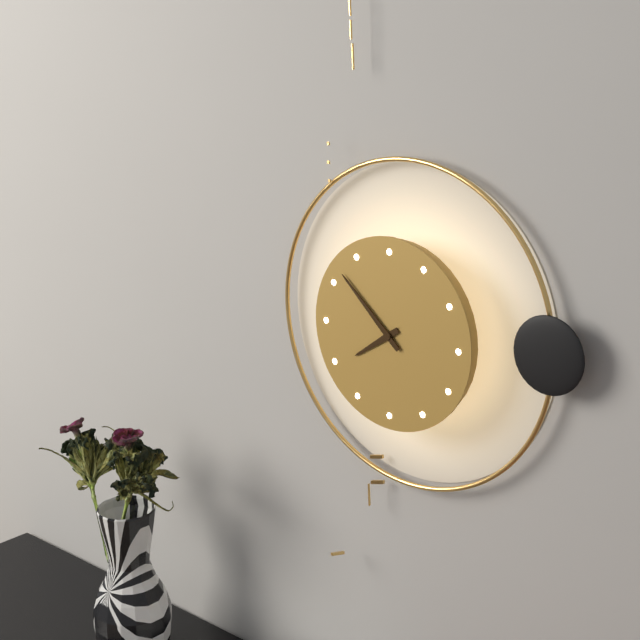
7:52
